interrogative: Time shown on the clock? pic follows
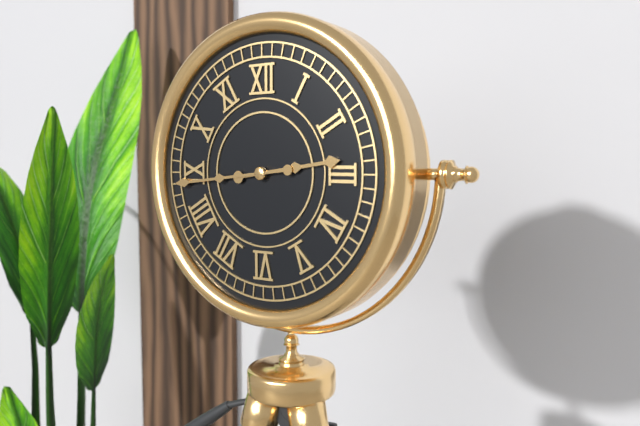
2:44
